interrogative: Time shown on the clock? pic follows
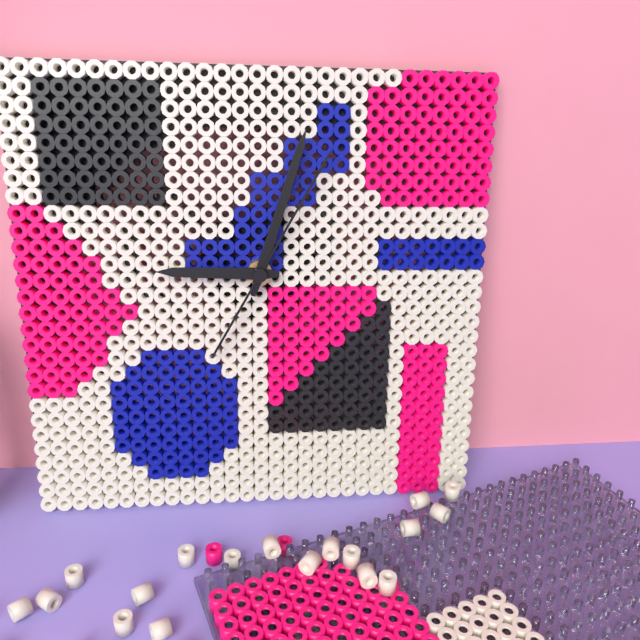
9:03:05
